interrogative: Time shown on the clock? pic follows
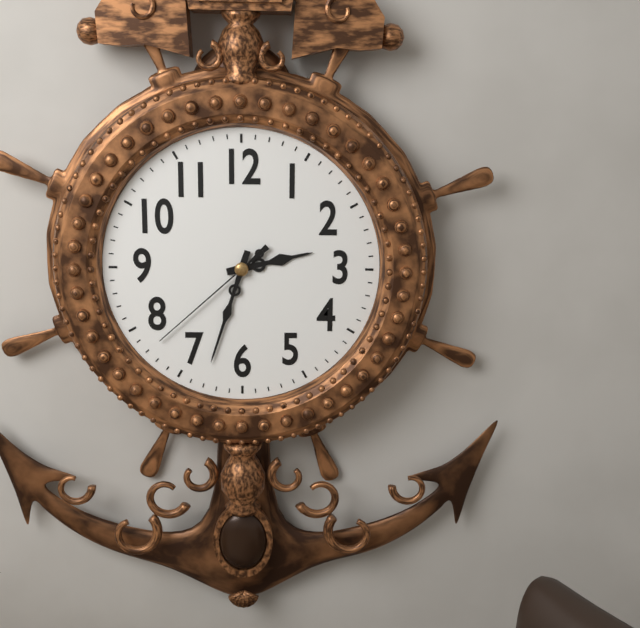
2:33:38
